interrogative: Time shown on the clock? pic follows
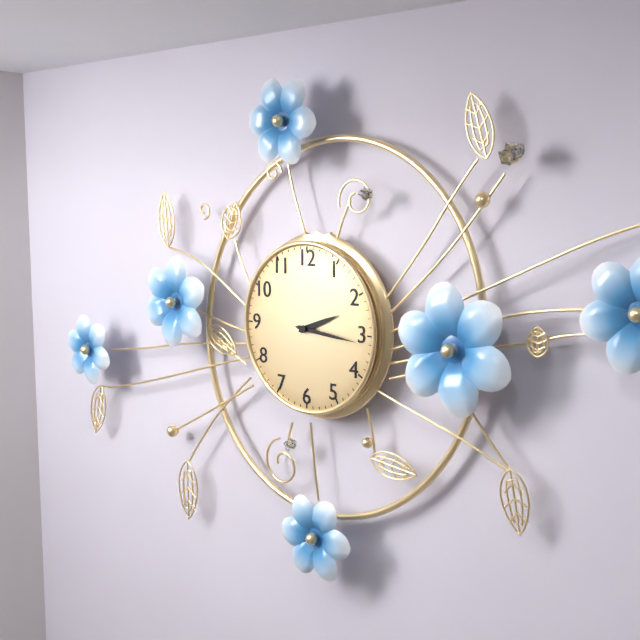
2:16
